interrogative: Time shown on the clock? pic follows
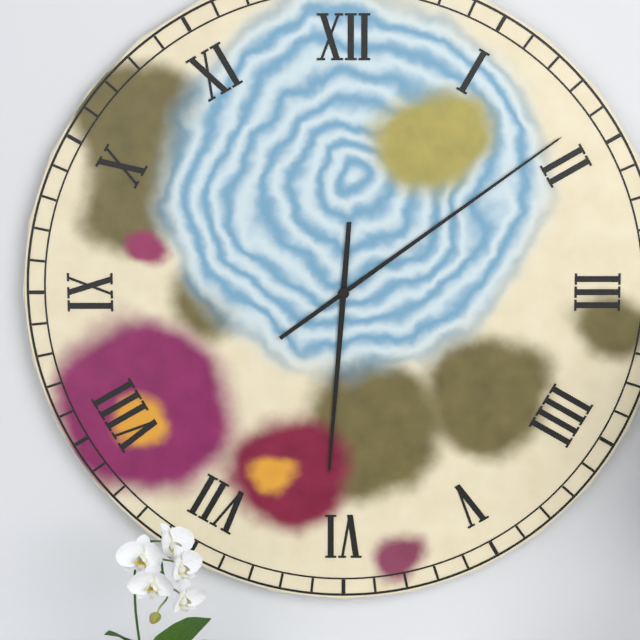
6:09
